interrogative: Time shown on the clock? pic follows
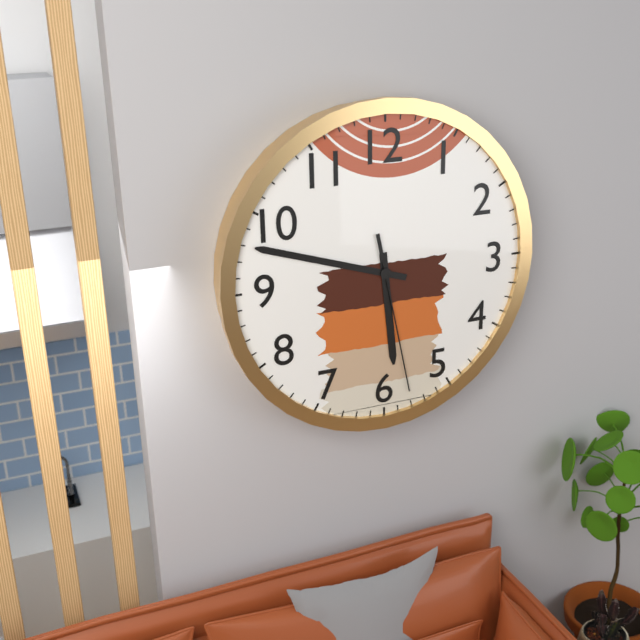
5:48:28
